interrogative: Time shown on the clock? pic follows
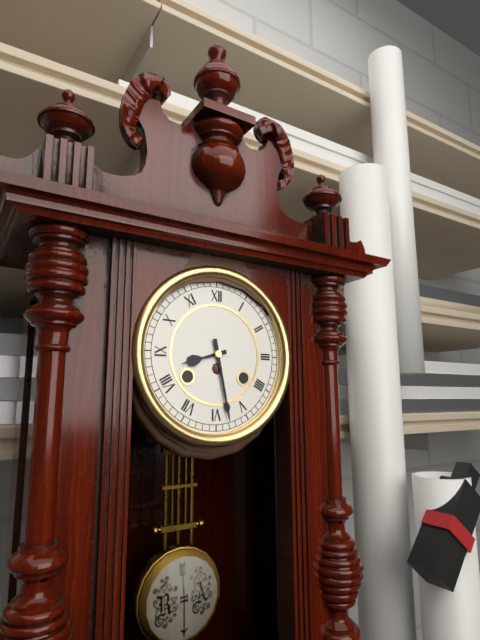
8:28
